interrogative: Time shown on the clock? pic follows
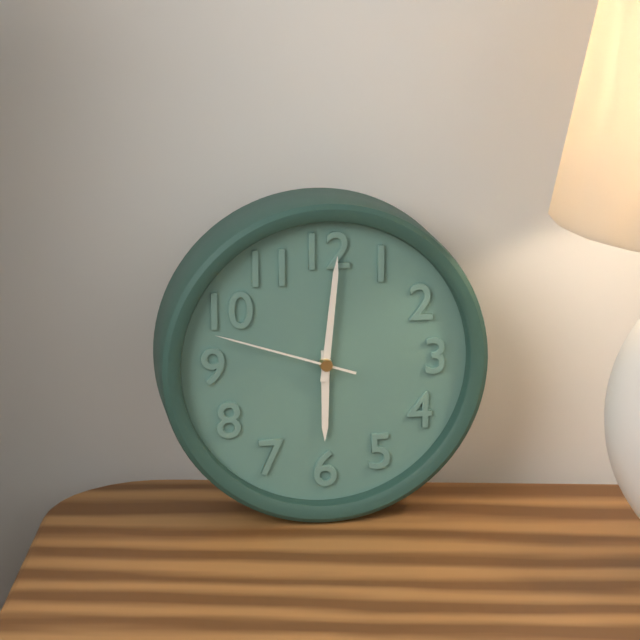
6:01:48
